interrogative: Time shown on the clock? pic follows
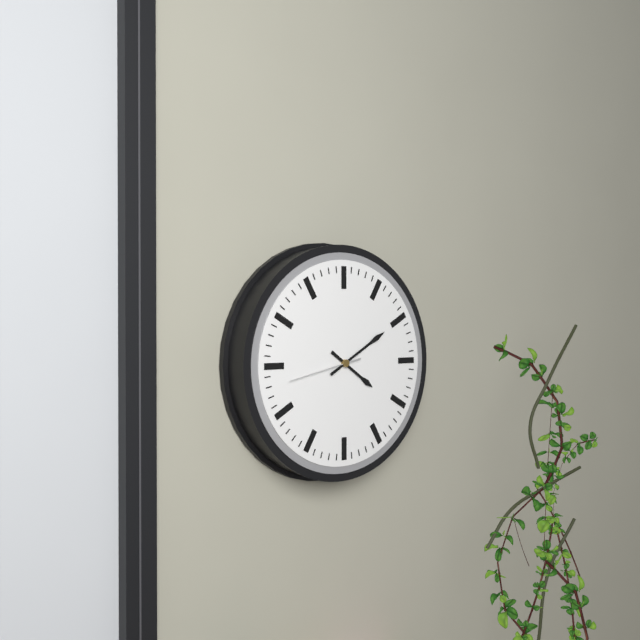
4:10:43
